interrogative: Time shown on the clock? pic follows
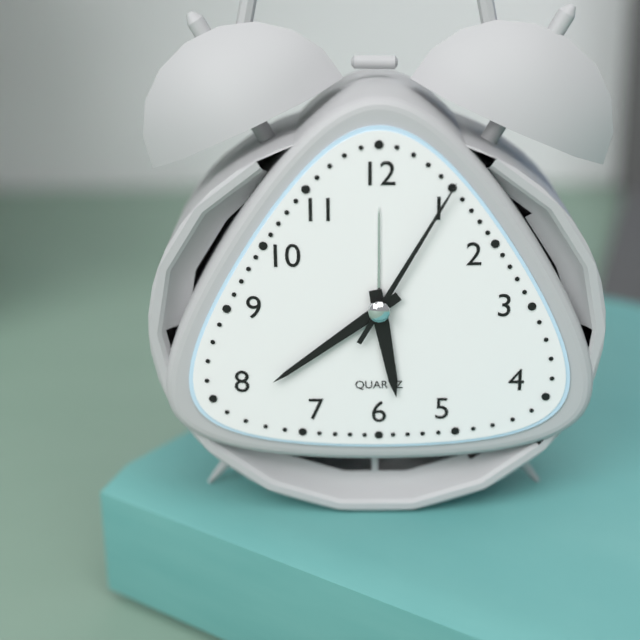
5:39:05
